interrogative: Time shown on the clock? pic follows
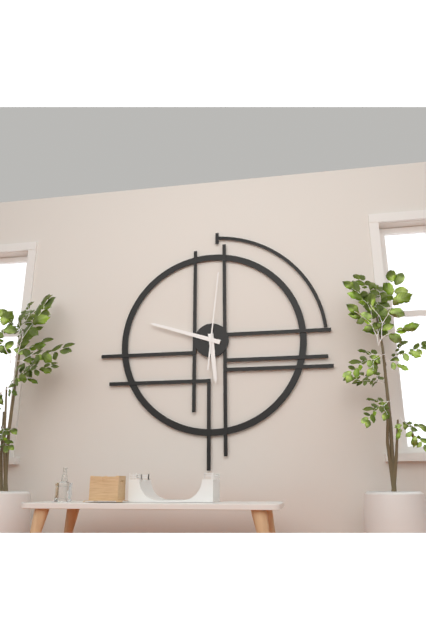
5:48:01
